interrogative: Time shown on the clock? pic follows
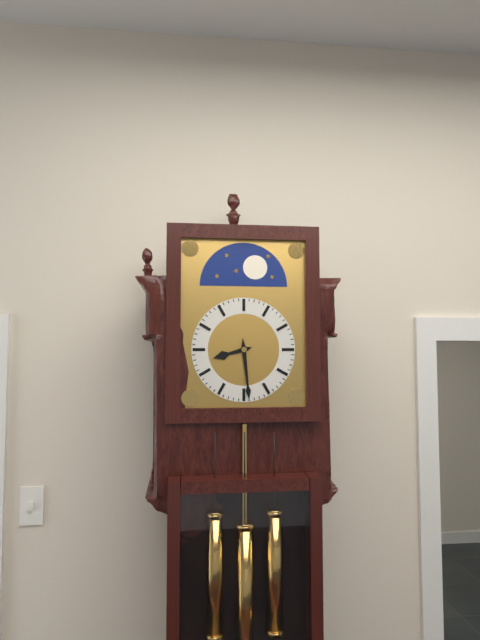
8:29
